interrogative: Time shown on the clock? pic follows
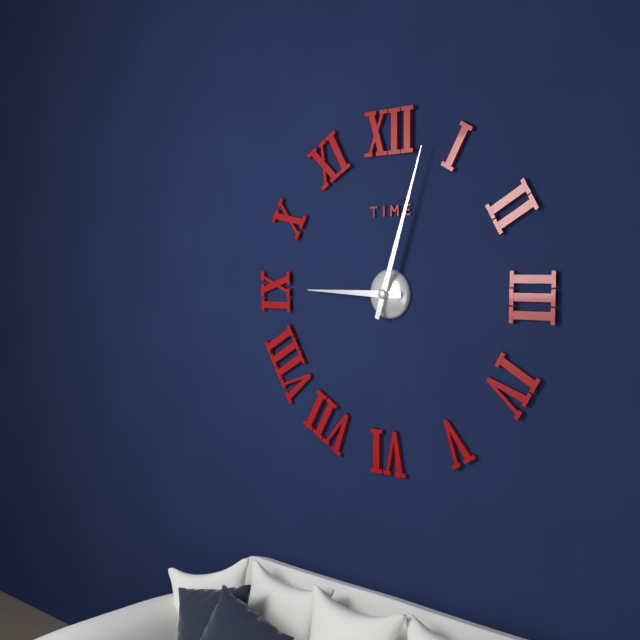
9:03
